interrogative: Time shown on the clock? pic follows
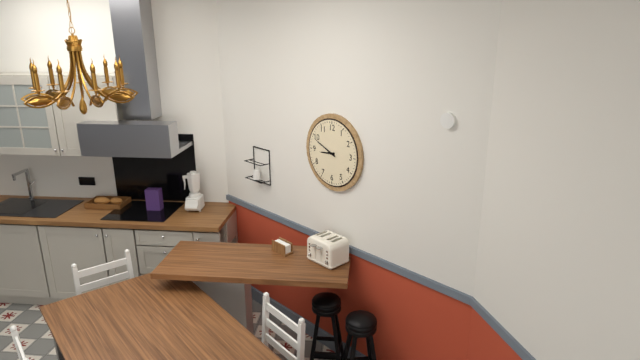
8:49
